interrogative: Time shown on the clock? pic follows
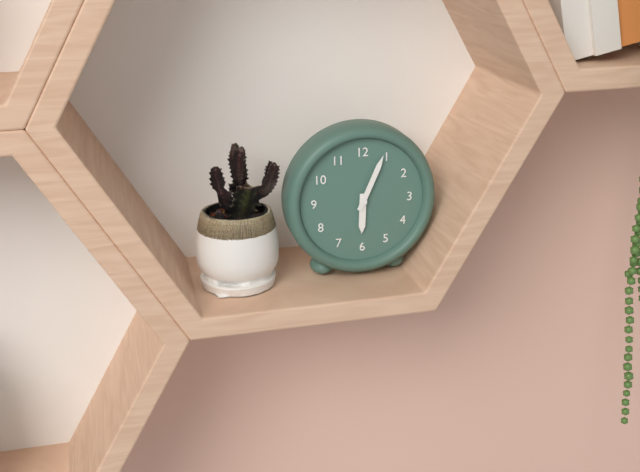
6:04
